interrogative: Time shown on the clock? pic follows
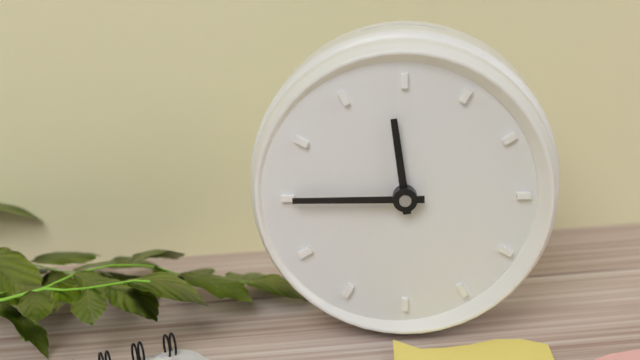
11:45
